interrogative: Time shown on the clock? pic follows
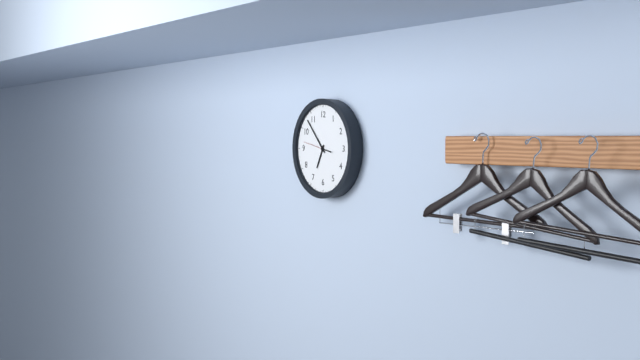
6:53
